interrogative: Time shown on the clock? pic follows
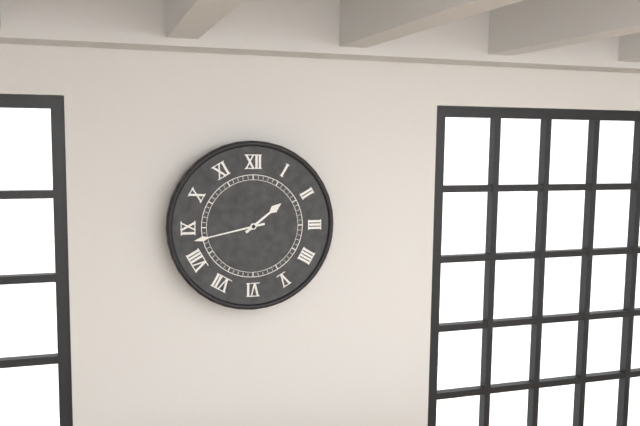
1:43
